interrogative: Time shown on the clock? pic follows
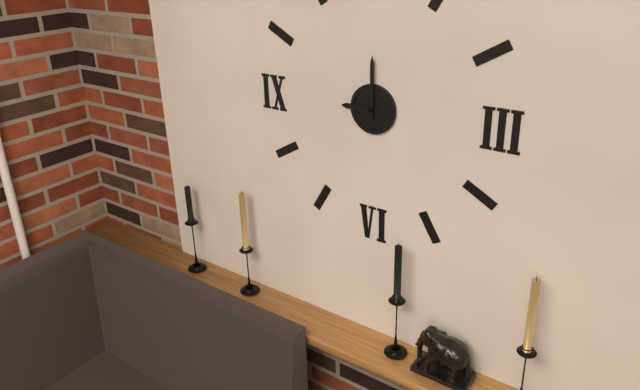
9:00
